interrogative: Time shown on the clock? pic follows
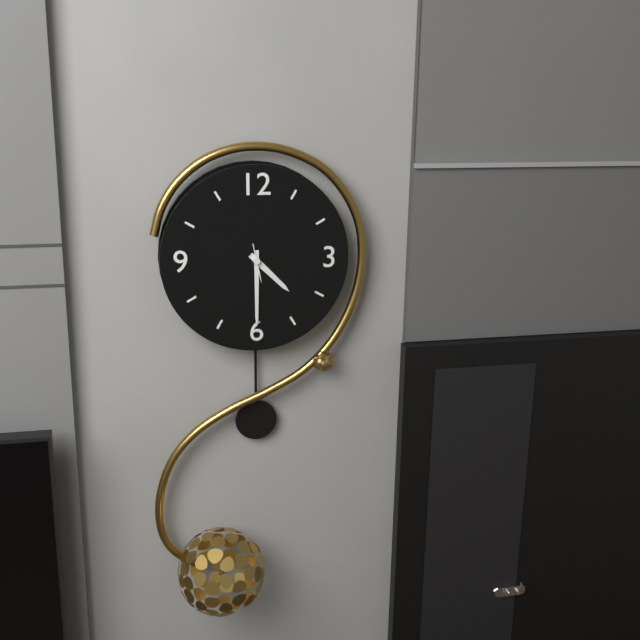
4:30
